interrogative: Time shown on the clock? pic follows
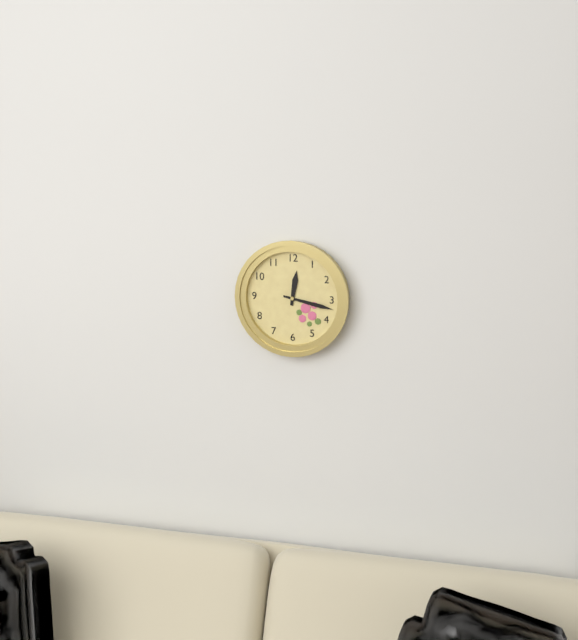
12:17
